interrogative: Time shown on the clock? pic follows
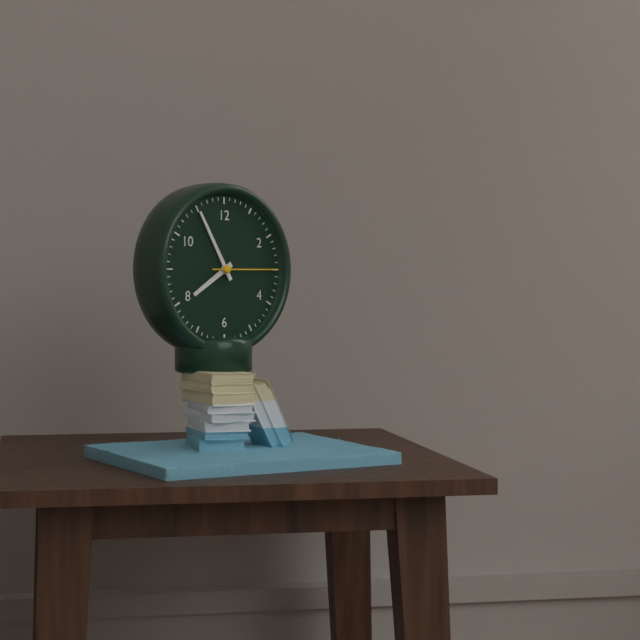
7:55:15
